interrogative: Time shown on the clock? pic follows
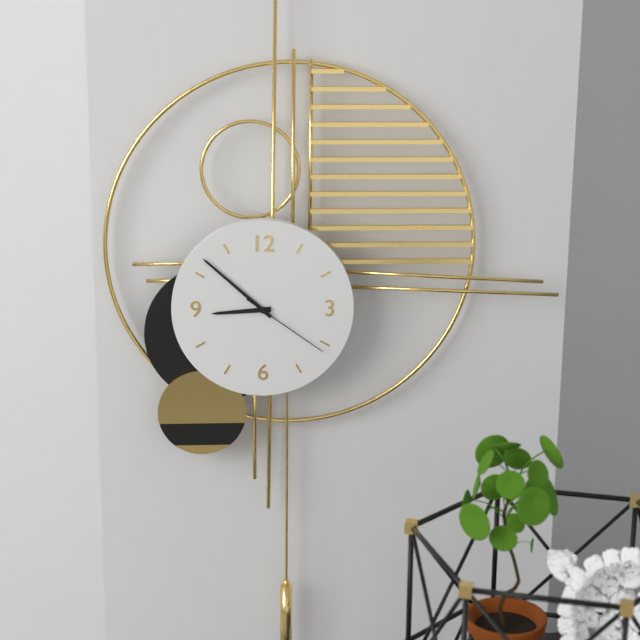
8:52:21
